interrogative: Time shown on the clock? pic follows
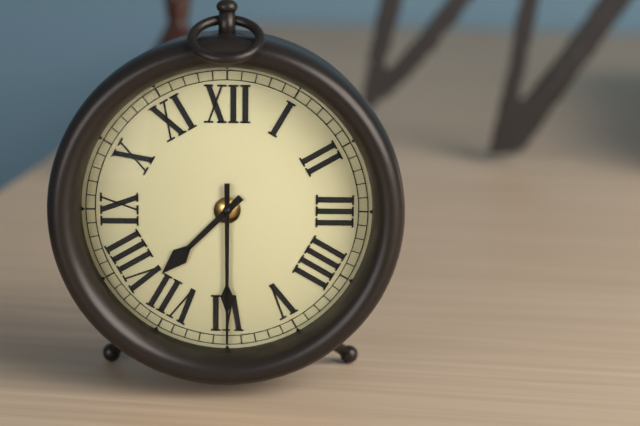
7:30
